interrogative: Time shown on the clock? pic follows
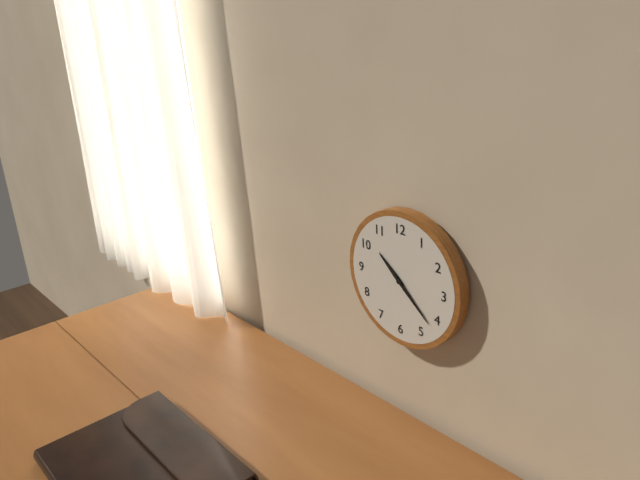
10:22
